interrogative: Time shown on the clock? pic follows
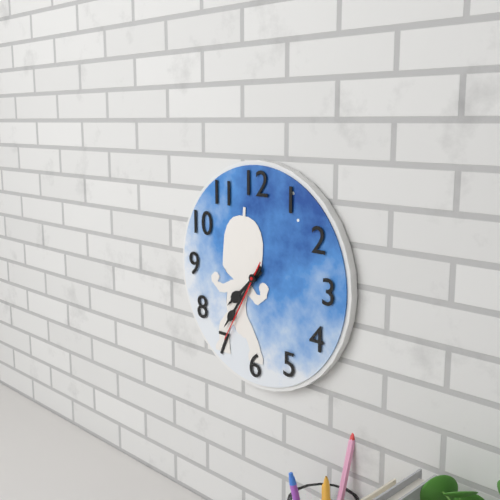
7:36:35
